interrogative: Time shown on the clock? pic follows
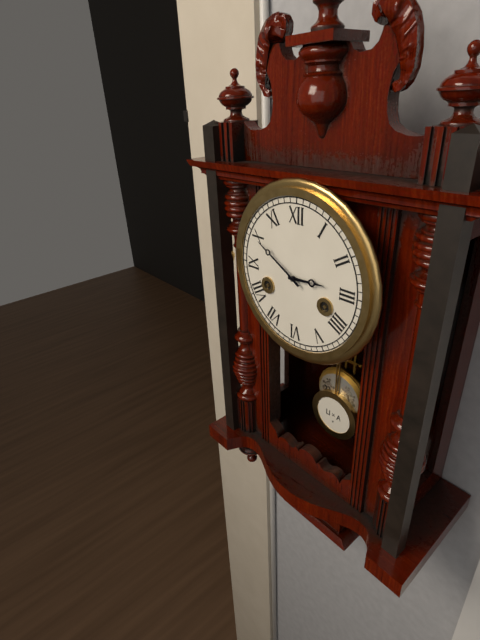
2:50
